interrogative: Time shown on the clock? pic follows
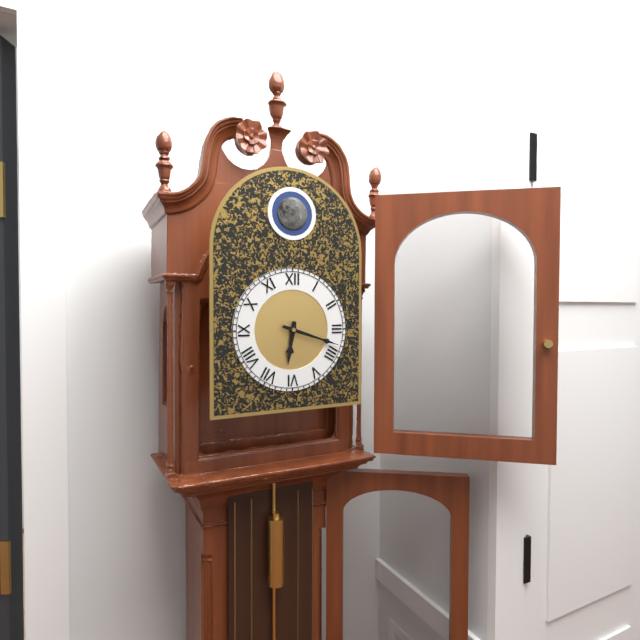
6:18
